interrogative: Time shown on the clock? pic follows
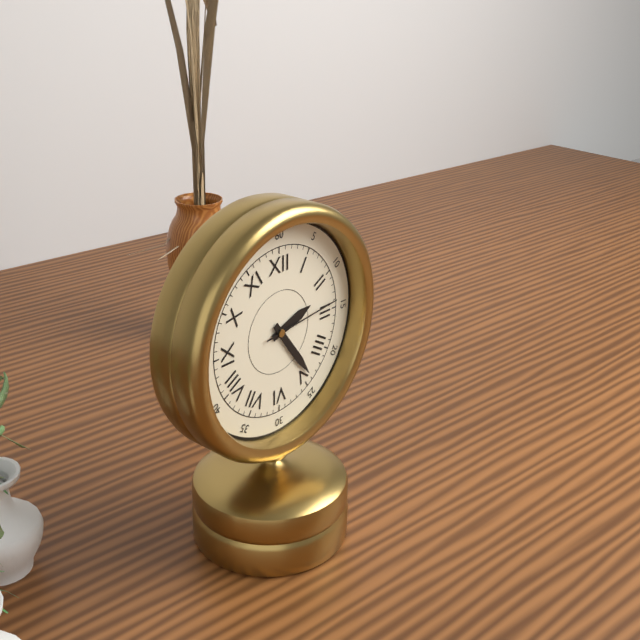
2:24:14
